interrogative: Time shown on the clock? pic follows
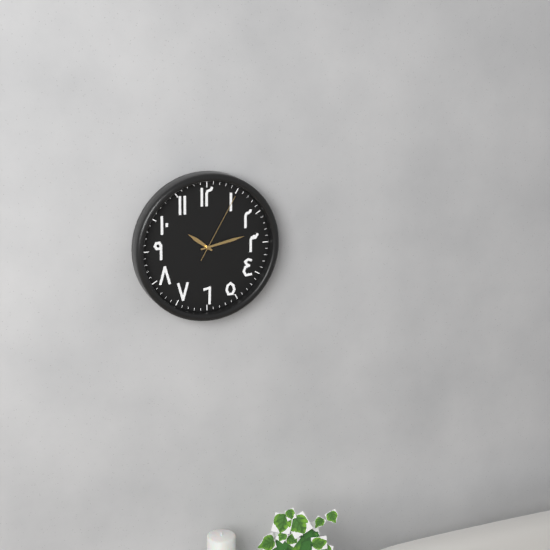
10:13:05
